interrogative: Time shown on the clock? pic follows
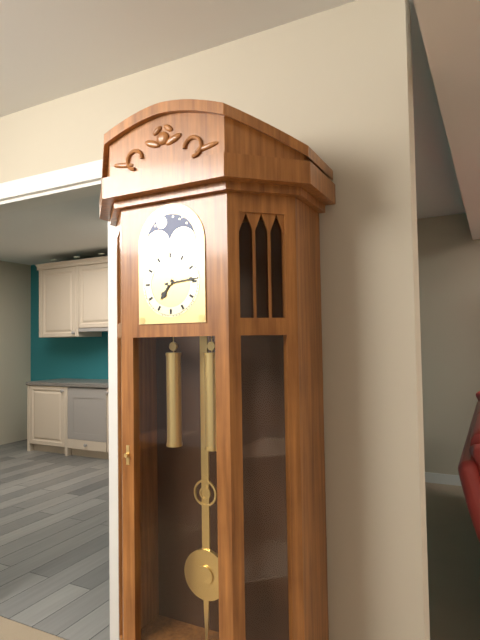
7:14
